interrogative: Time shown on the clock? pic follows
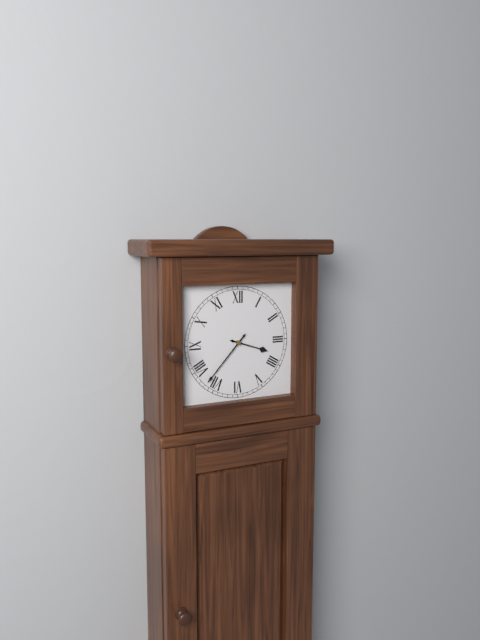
3:37
